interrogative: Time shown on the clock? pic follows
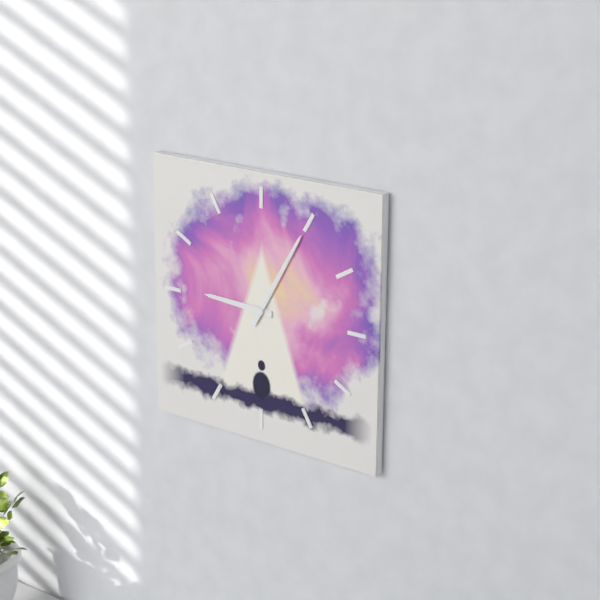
9:05
